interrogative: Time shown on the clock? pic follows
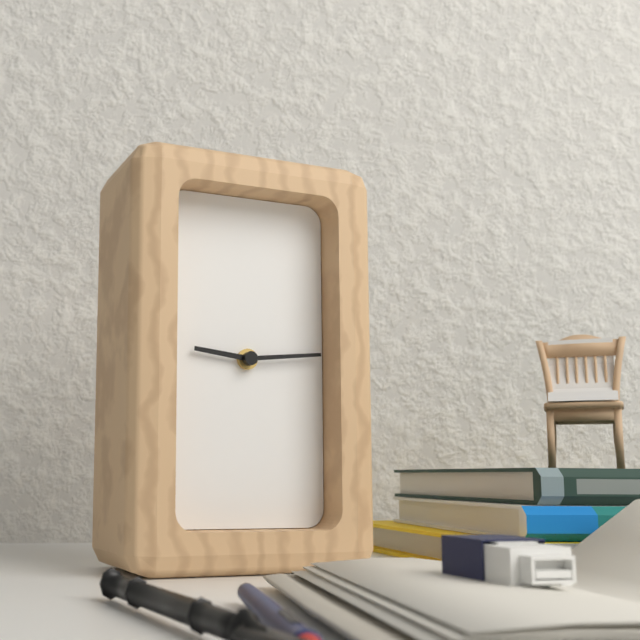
9:14
